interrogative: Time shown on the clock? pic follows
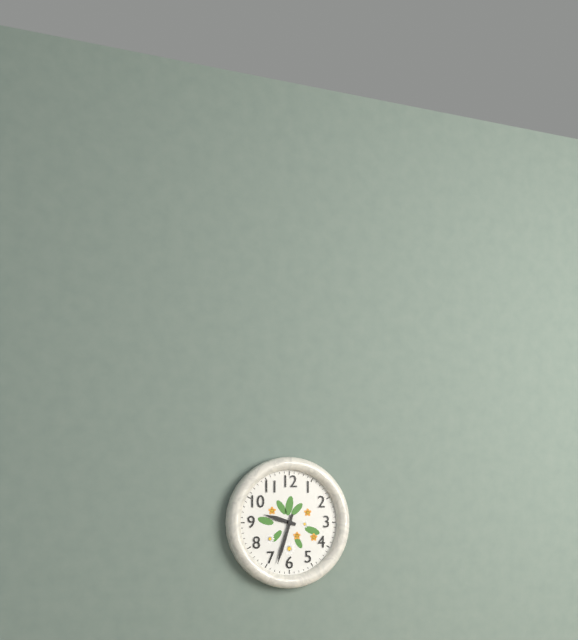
9:33
